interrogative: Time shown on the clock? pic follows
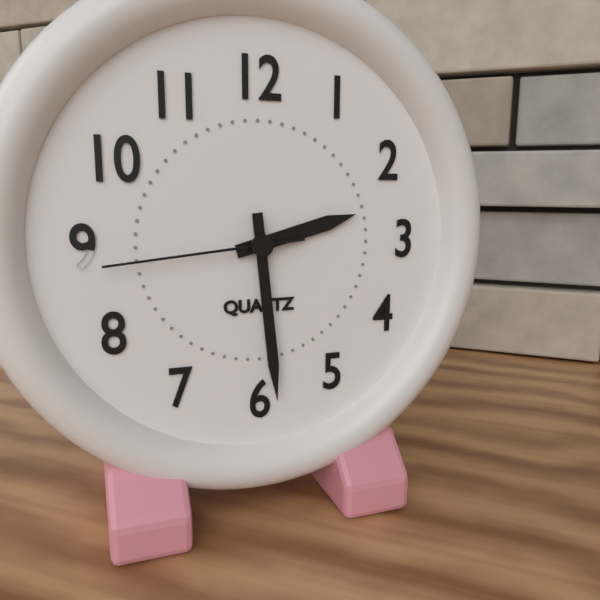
2:29:44
